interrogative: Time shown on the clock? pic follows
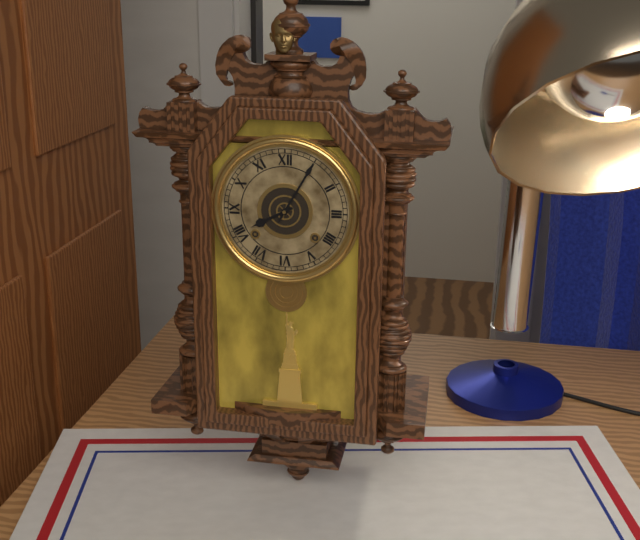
8:05
